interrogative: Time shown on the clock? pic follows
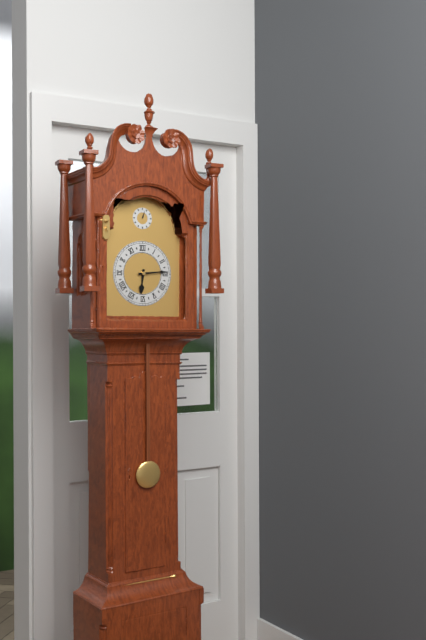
6:14
